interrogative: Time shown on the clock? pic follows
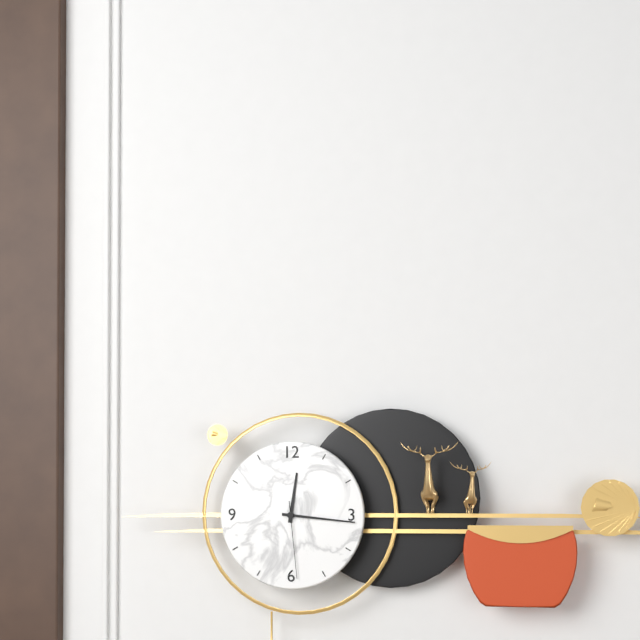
12:16:29
